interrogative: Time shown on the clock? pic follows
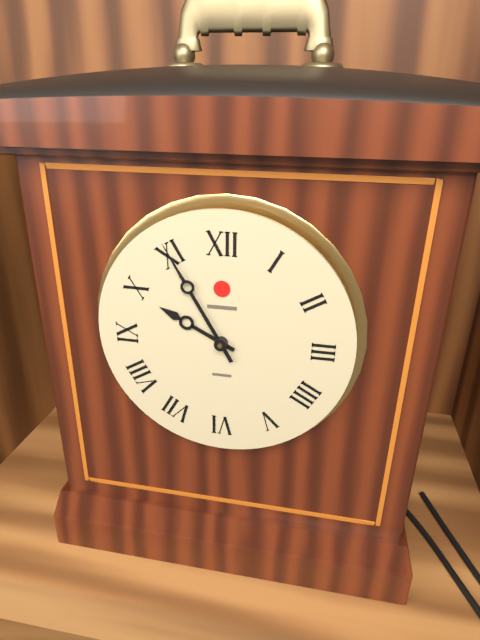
9:55
